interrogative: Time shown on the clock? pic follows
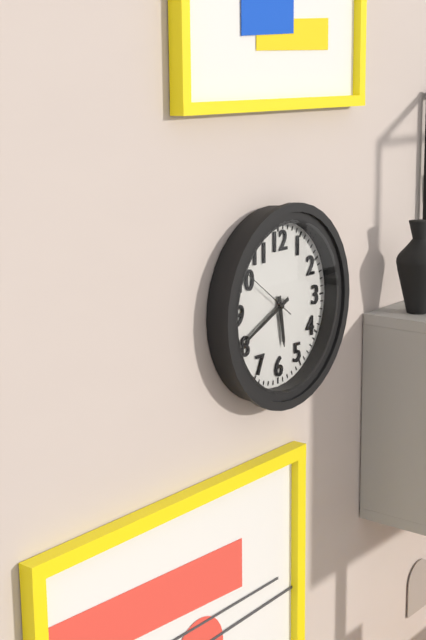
5:41:51
